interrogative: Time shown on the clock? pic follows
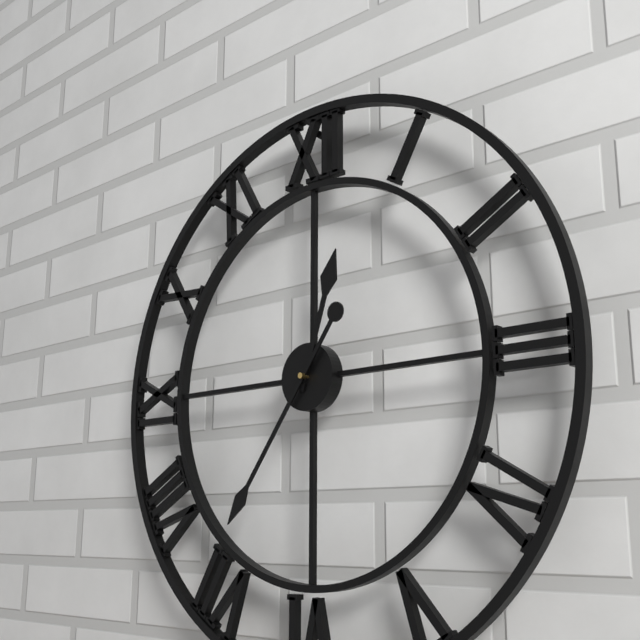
12:36
